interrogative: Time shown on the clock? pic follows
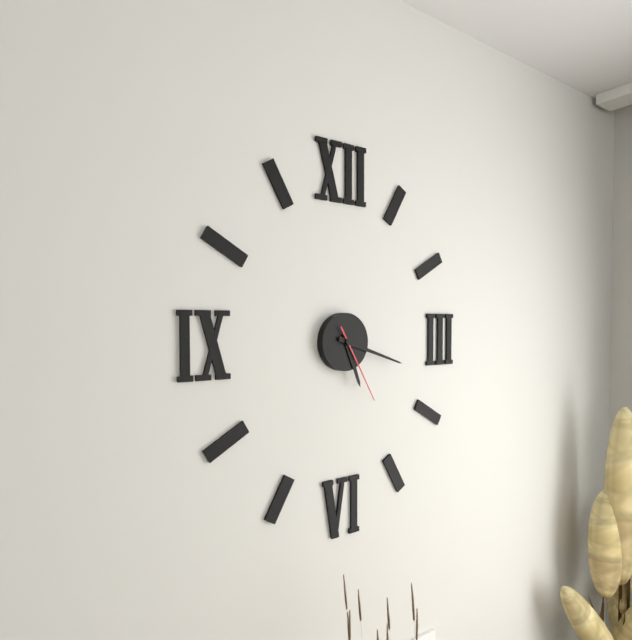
5:18:25
